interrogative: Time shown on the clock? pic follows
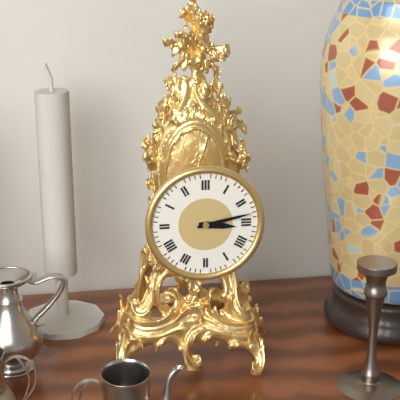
3:13
